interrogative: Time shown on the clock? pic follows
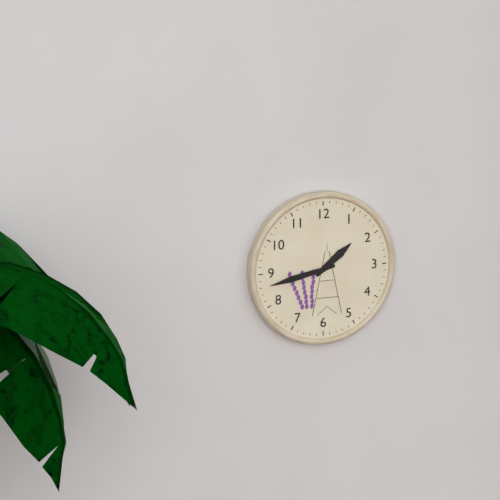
1:43
